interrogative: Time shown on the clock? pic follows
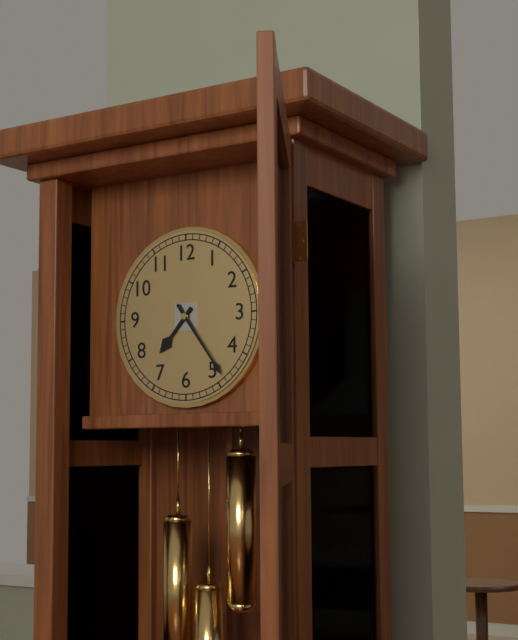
7:24
